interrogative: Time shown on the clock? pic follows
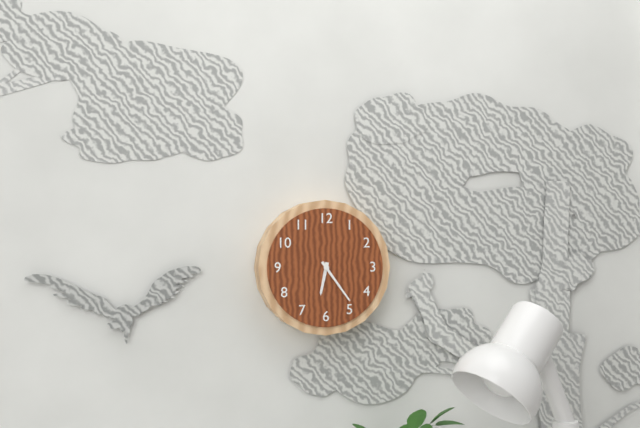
6:24
